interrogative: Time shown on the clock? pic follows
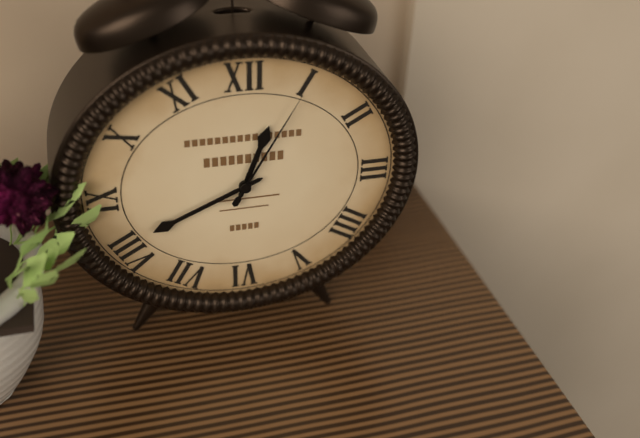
12:41:05
